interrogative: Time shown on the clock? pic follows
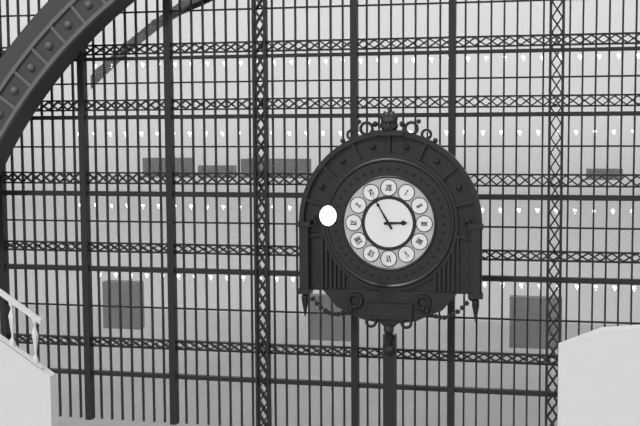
2:55
